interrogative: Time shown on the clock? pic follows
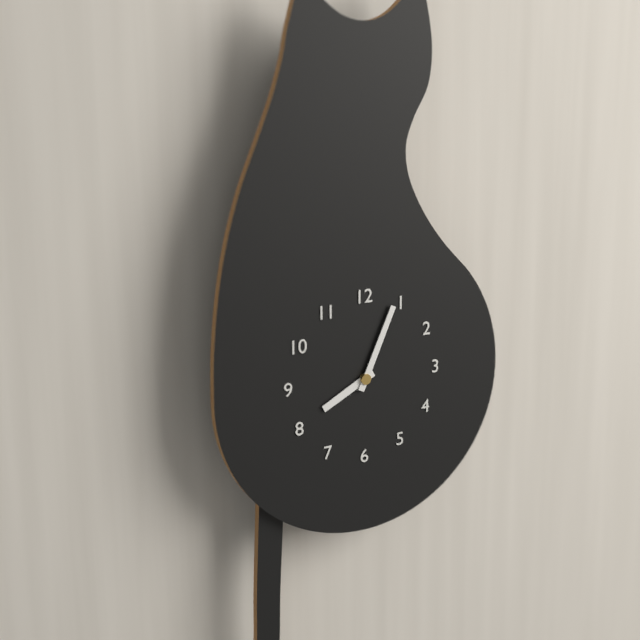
8:04
